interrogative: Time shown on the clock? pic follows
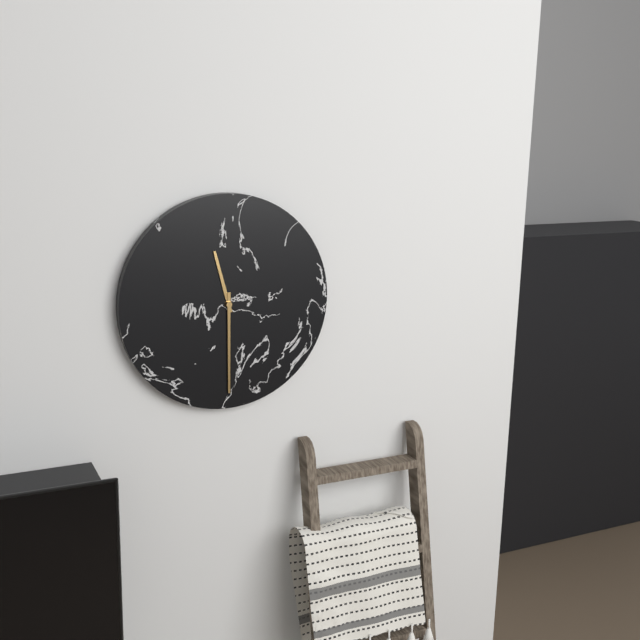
11:30
